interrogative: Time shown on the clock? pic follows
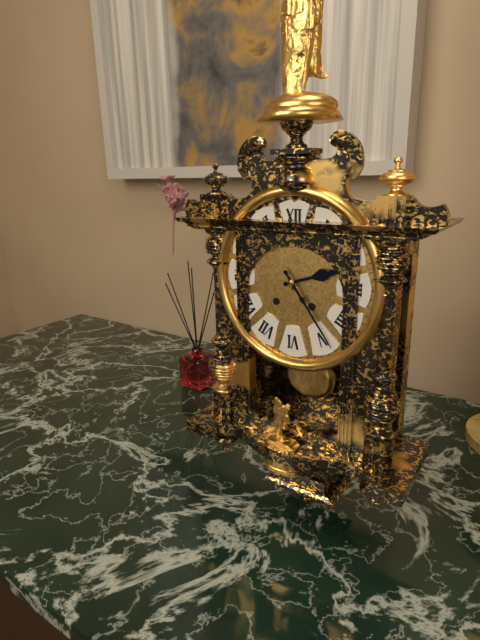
2:24
